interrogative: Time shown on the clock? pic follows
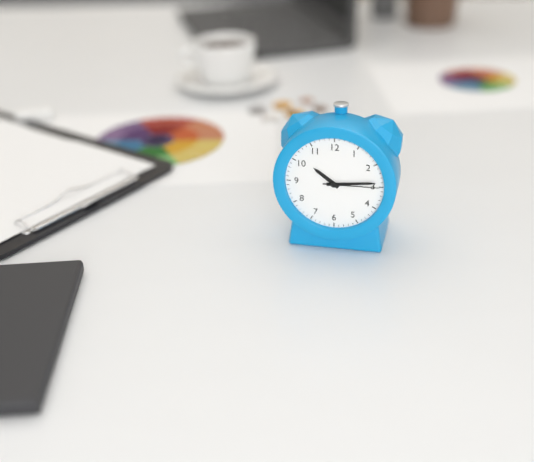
10:14:15
